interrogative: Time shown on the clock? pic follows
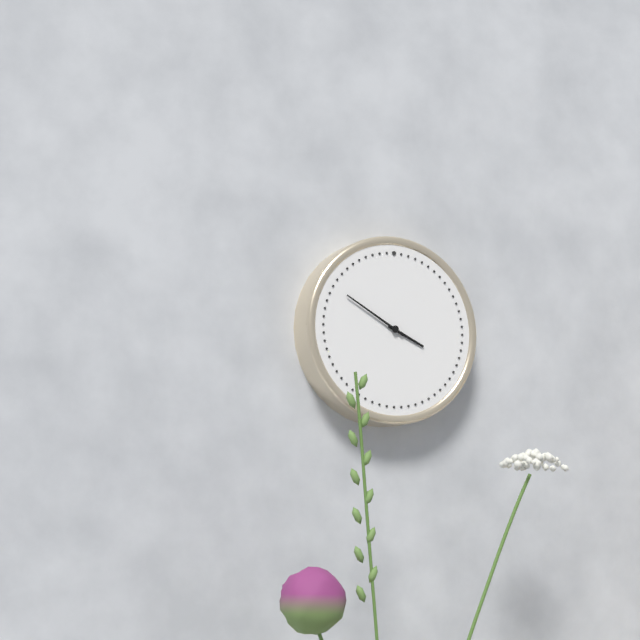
3:50
